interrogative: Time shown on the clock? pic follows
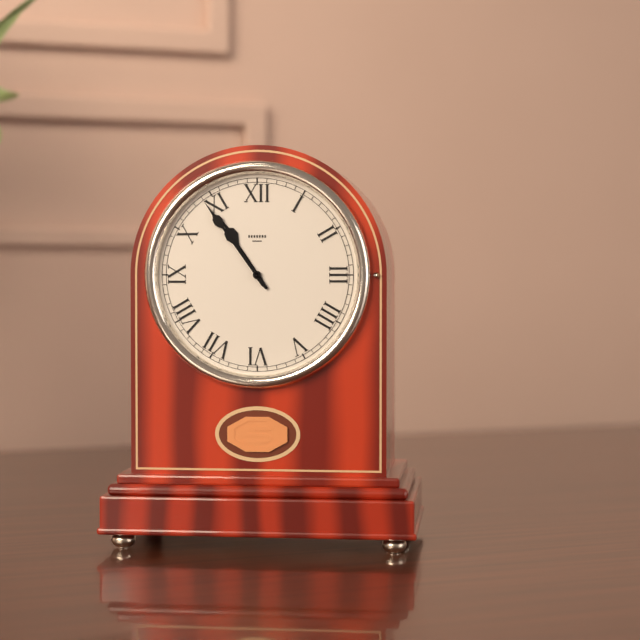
10:54
